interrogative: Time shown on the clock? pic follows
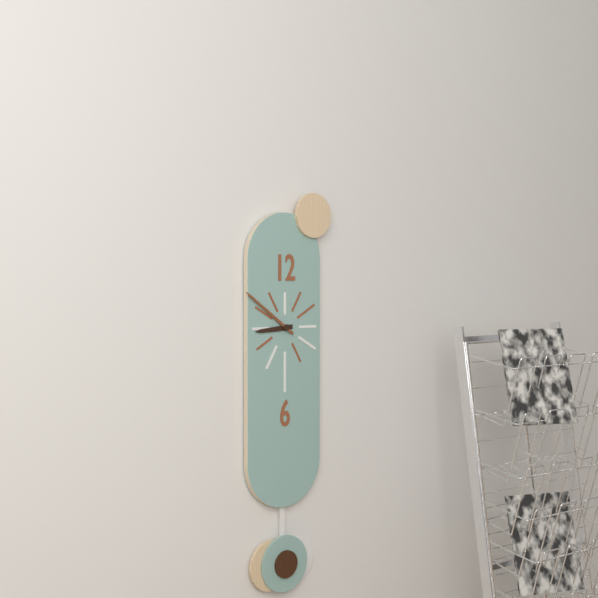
8:51
